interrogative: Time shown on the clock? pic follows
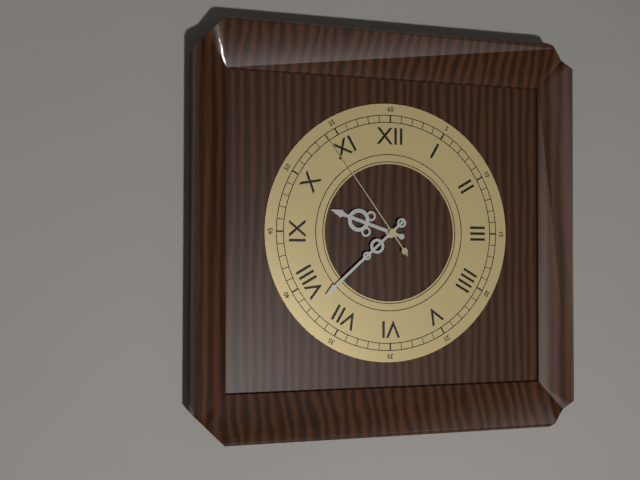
9:38:54
